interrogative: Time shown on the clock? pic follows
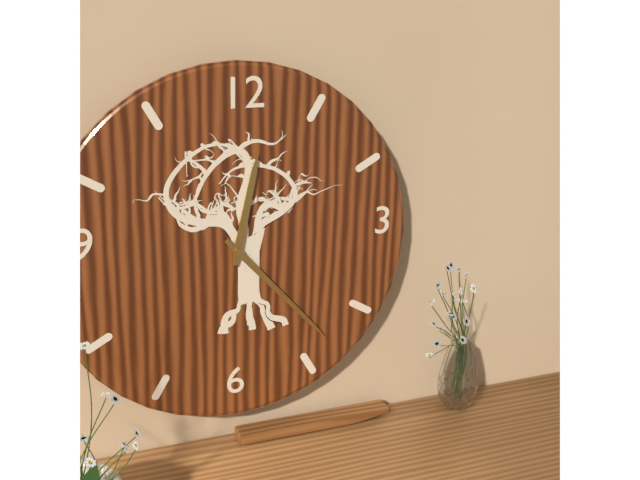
12:23
